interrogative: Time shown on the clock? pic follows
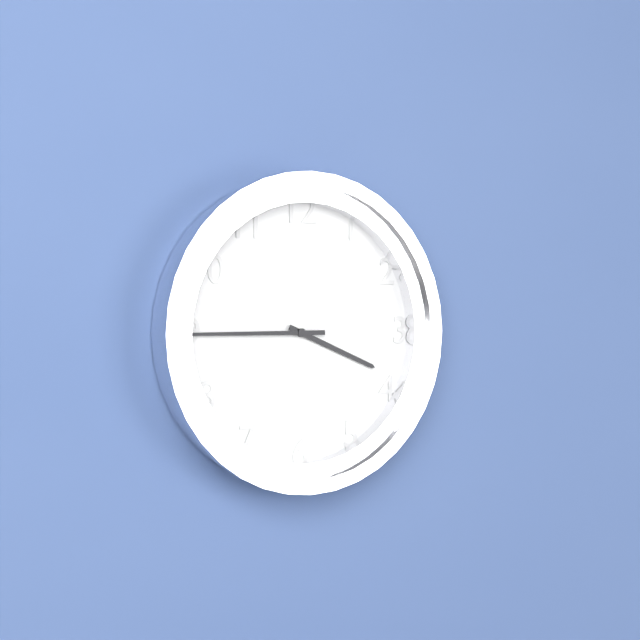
3:45
